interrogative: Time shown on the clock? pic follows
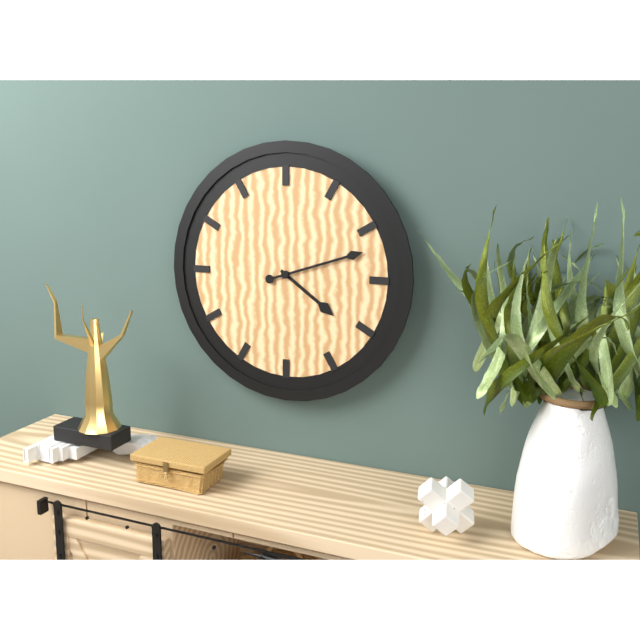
4:12
